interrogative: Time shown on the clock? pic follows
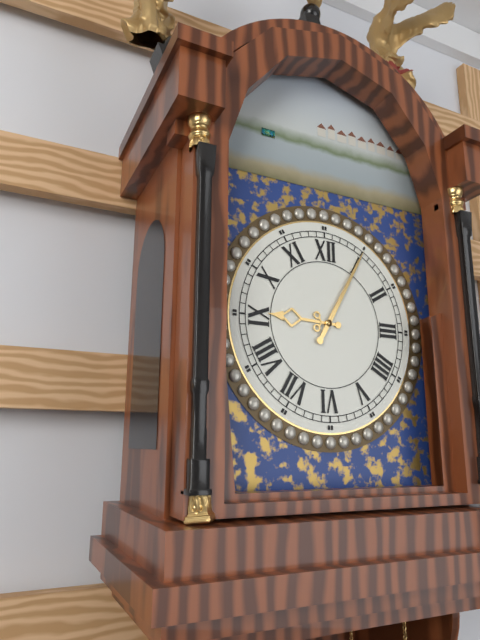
9:05
